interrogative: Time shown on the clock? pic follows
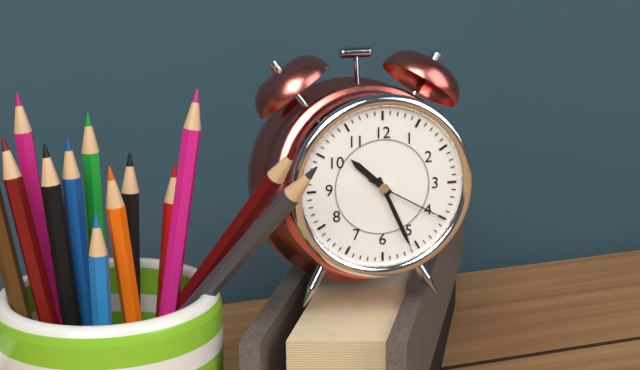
10:26:20
